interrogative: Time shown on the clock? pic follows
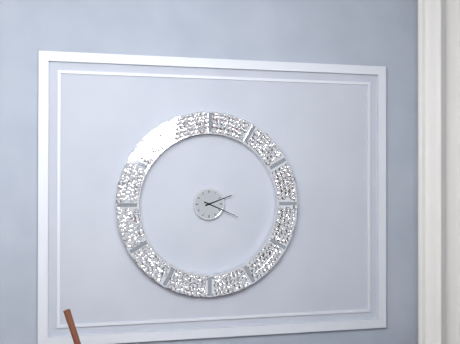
2:19
